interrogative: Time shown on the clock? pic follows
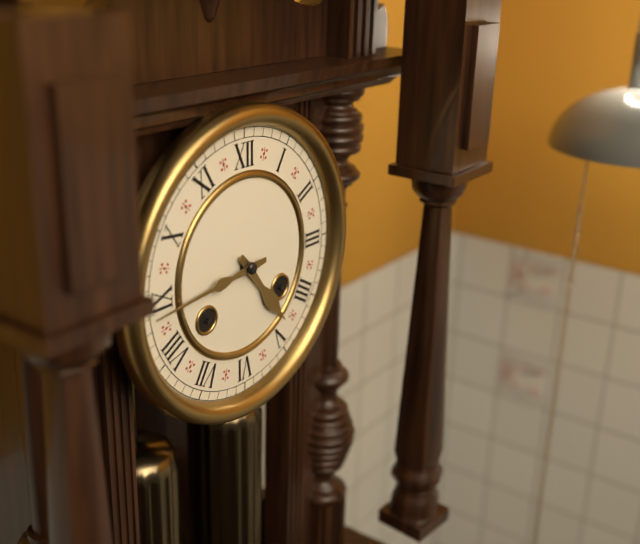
4:44
